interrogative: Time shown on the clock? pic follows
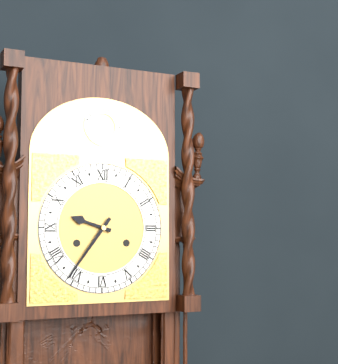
9:36
